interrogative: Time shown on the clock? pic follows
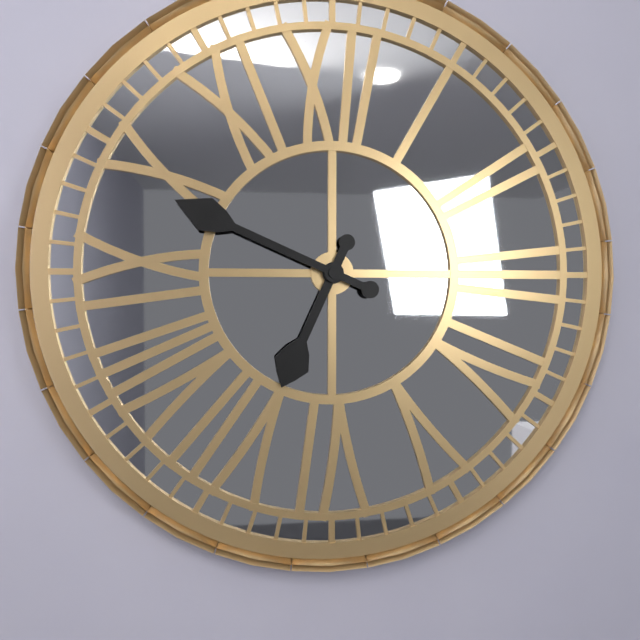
6:49
